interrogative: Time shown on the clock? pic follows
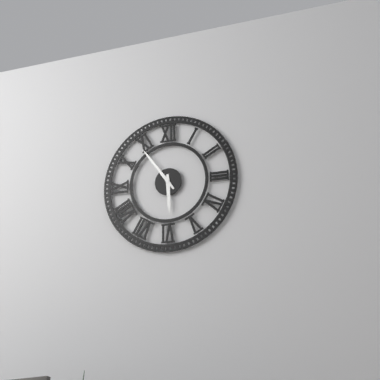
5:54
